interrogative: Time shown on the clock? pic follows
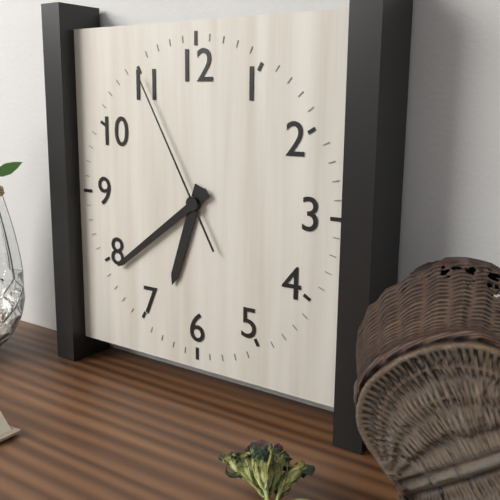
6:39:55
